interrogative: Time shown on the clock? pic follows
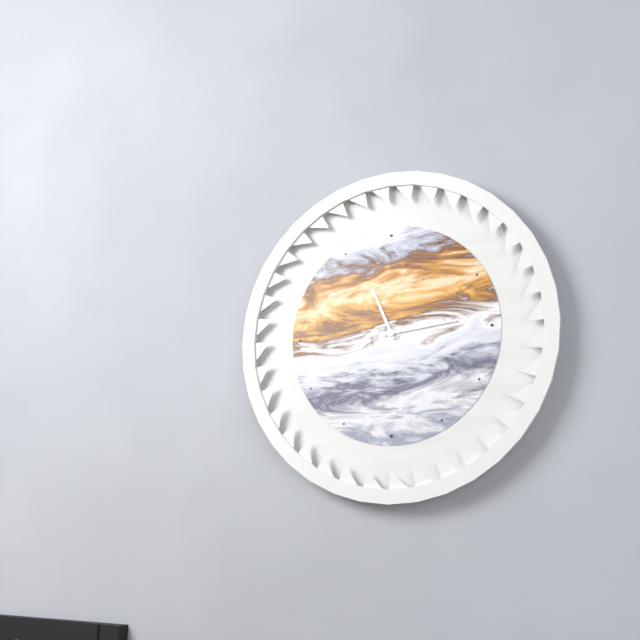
11:14
